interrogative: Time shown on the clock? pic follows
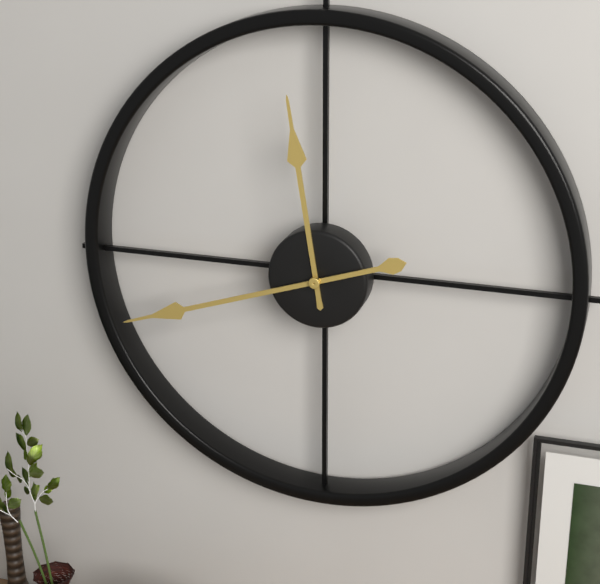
11:42
